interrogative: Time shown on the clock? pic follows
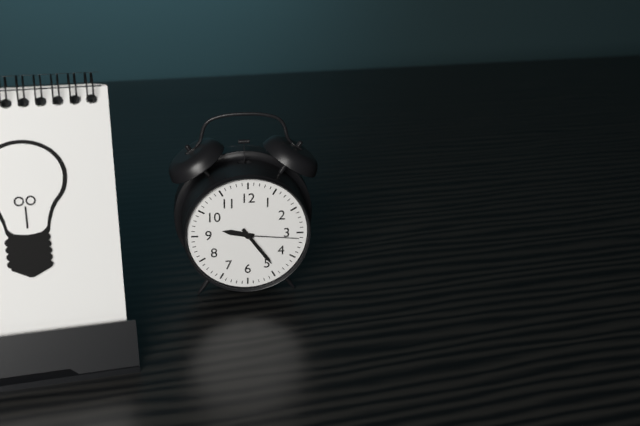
9:24:16
